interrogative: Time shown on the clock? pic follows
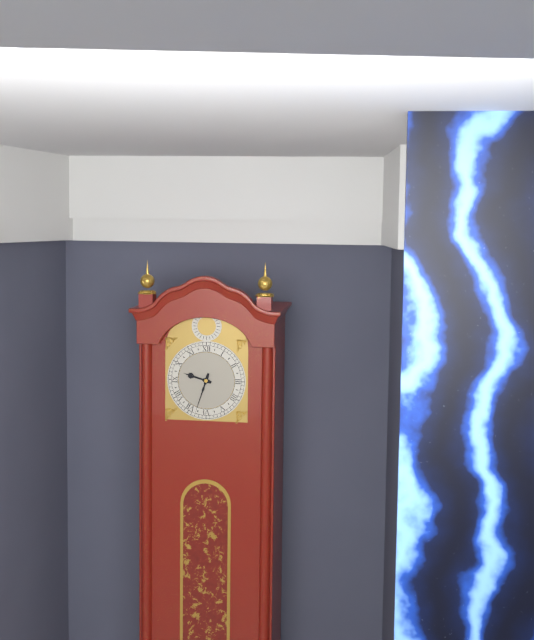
9:33
